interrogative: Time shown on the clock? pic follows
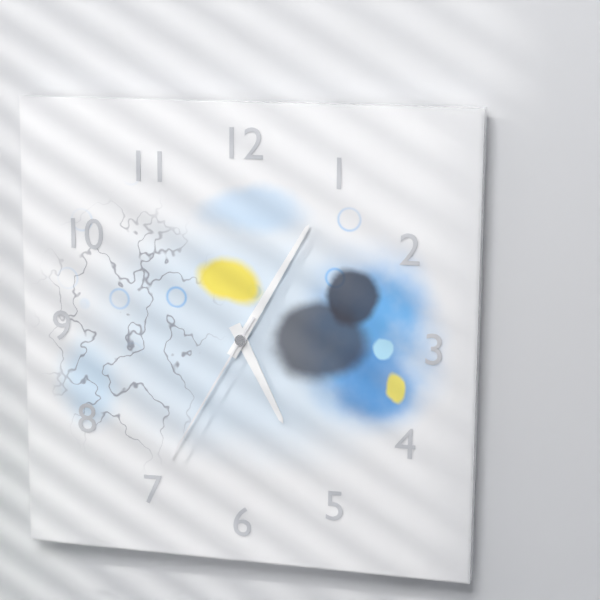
5:05:35
